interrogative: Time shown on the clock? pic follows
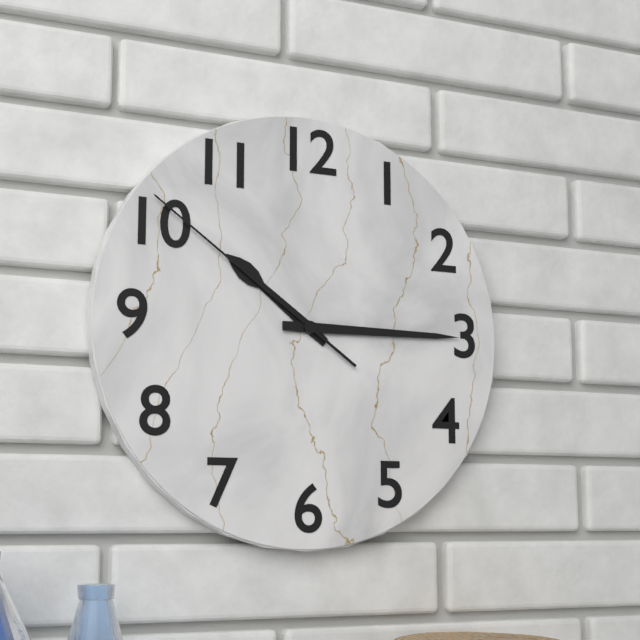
10:15:51
